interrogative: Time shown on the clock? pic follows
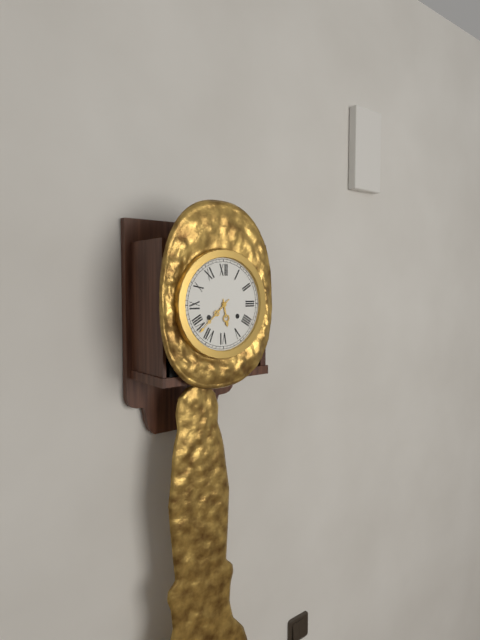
5:38
